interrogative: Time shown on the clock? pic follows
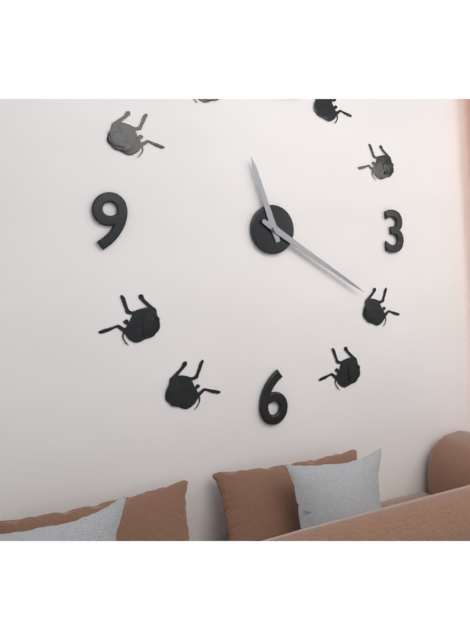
11:20
